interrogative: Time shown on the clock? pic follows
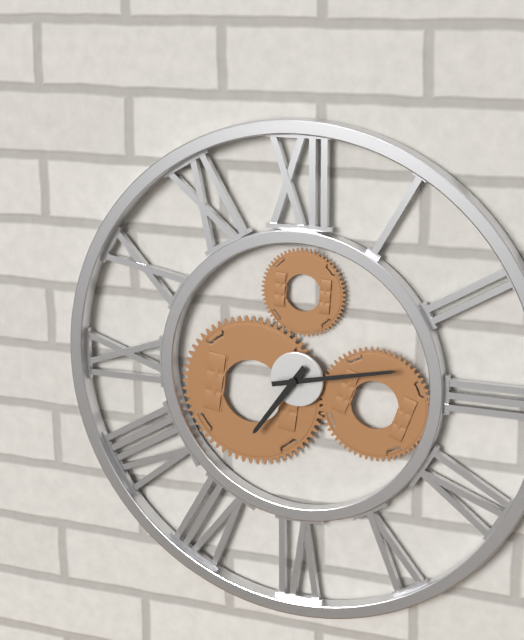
7:13
